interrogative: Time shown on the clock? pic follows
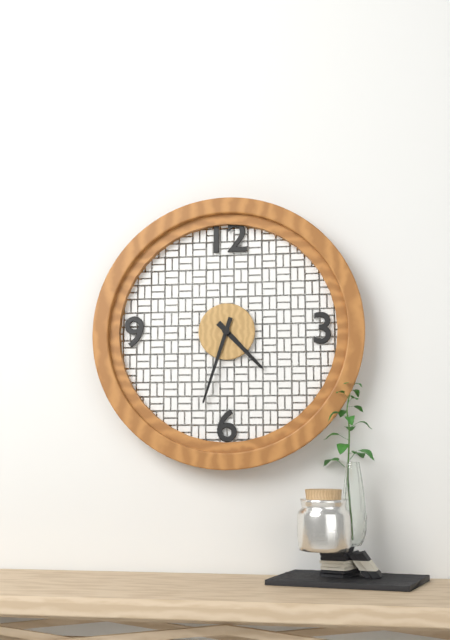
4:33
